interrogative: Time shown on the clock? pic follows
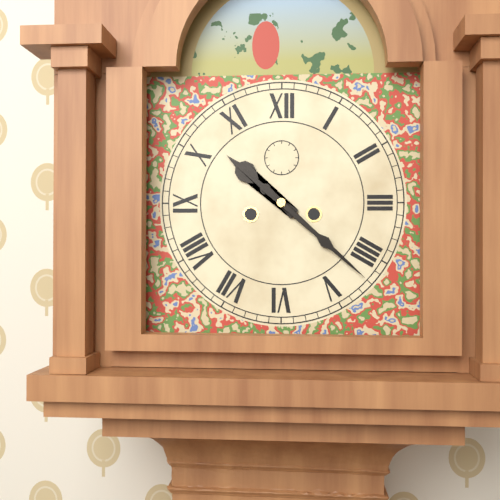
10:22
